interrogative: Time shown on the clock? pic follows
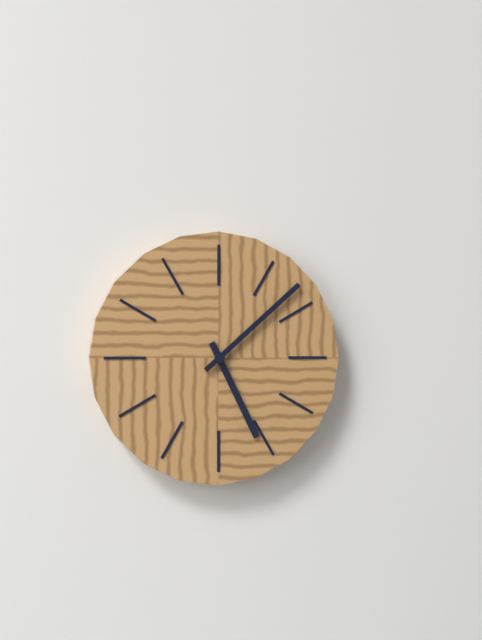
5:08
